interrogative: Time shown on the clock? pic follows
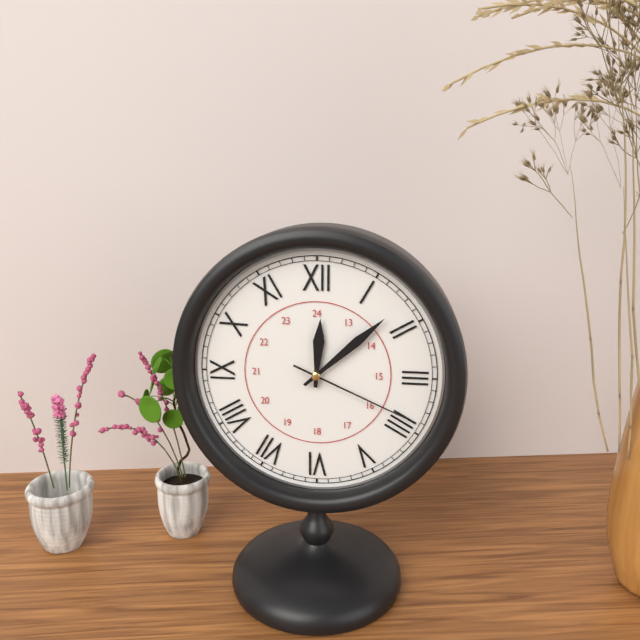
12:08:19
